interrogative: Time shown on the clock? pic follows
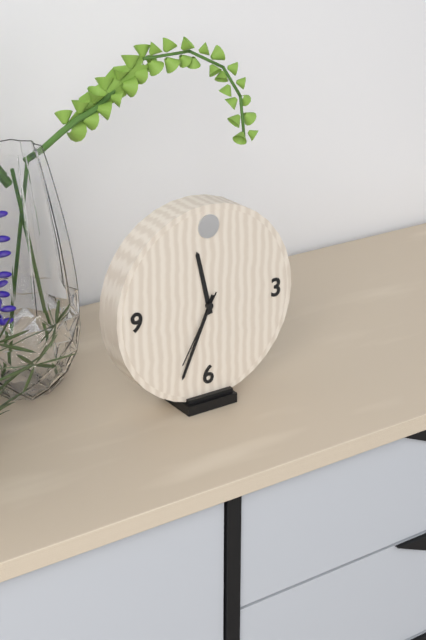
11:34:35
